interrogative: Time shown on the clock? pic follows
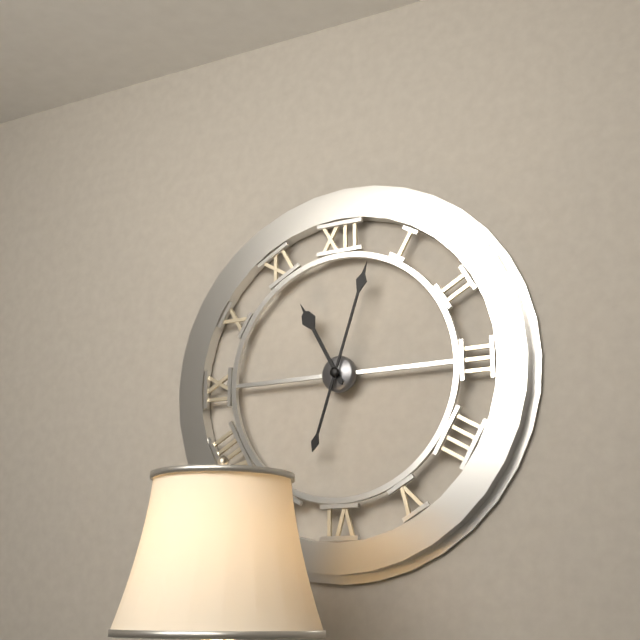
11:03
